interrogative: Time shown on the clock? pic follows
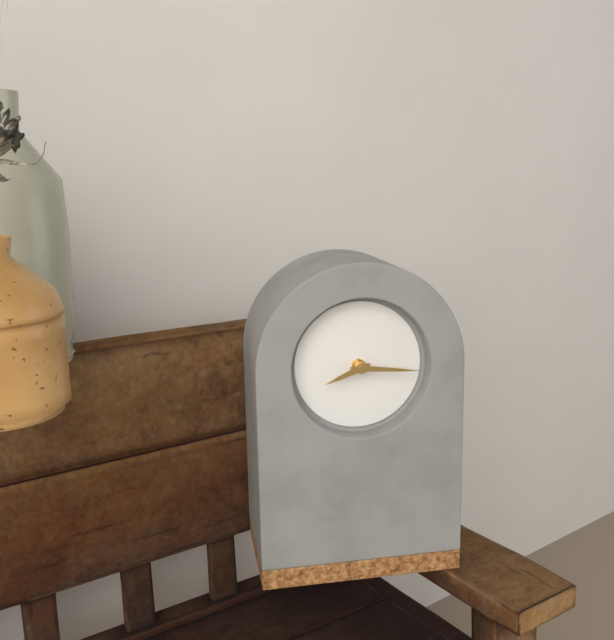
8:16
